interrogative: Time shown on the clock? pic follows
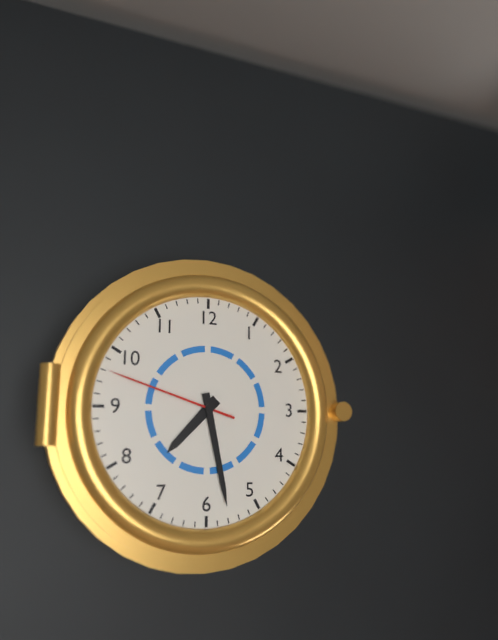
7:28:48
